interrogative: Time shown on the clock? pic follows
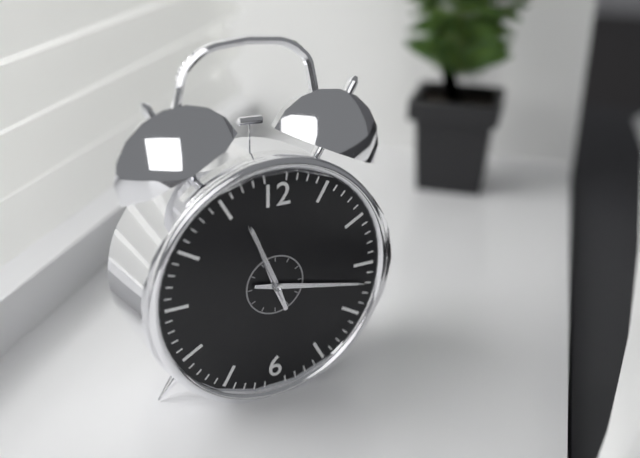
11:17:56
